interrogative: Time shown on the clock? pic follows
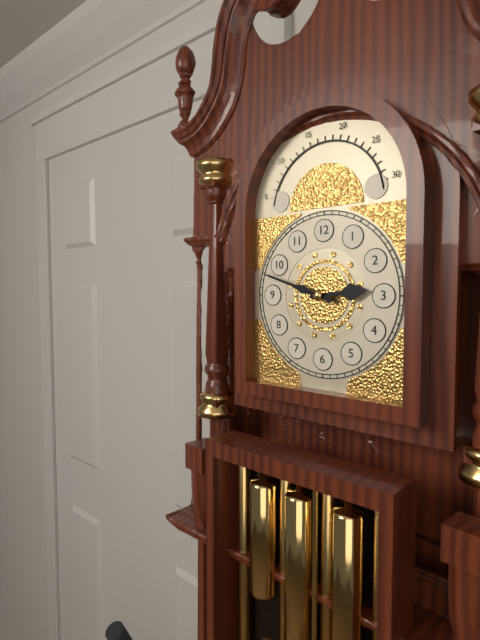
2:48
